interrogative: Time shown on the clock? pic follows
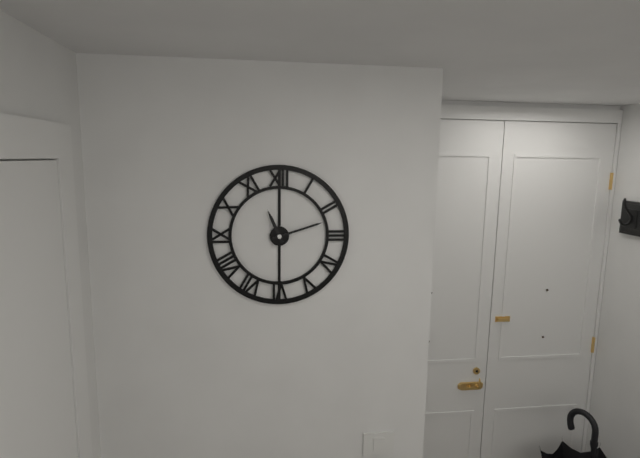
11:12
